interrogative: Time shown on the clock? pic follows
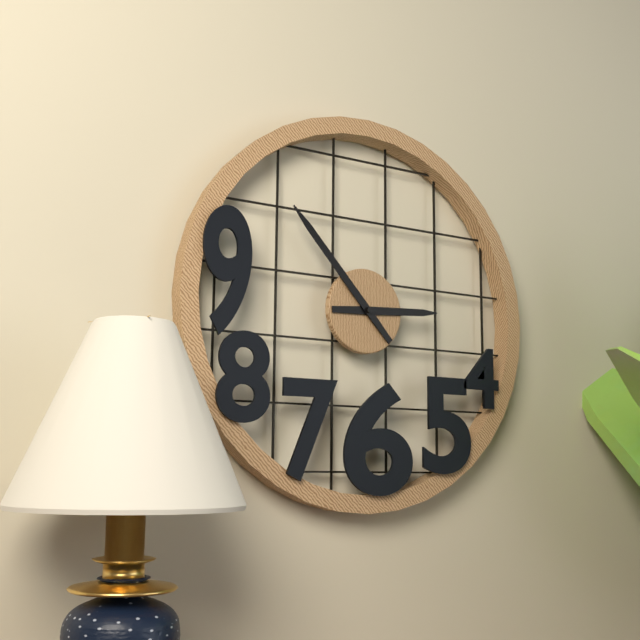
2:53
